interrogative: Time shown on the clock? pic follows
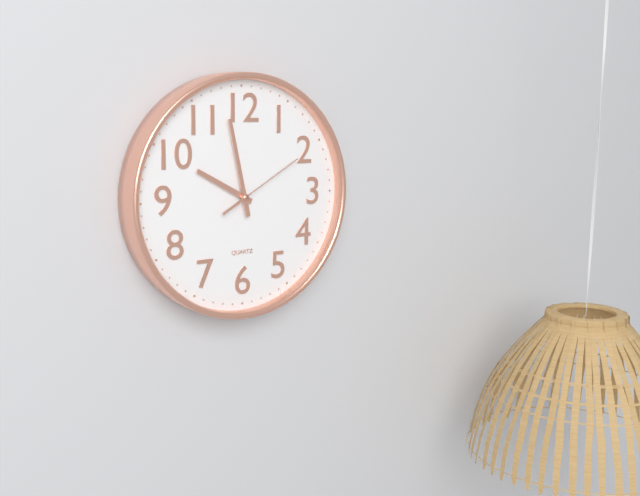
9:58:10
